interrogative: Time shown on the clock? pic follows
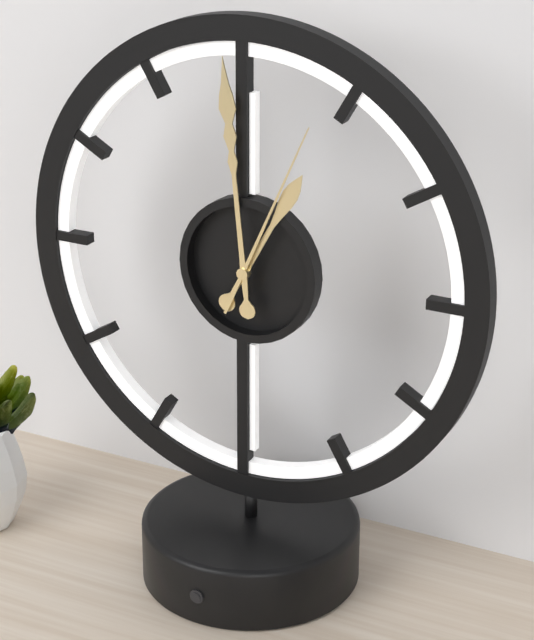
12:59:04
